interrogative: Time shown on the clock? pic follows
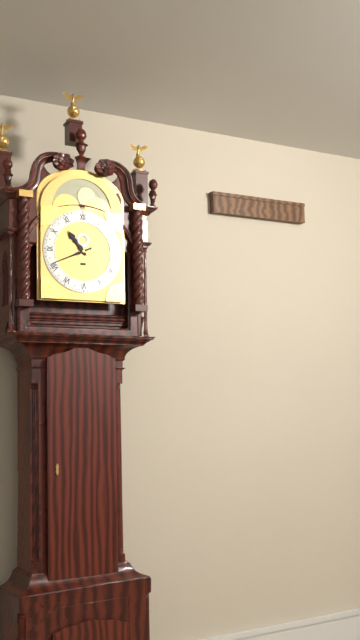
10:41
